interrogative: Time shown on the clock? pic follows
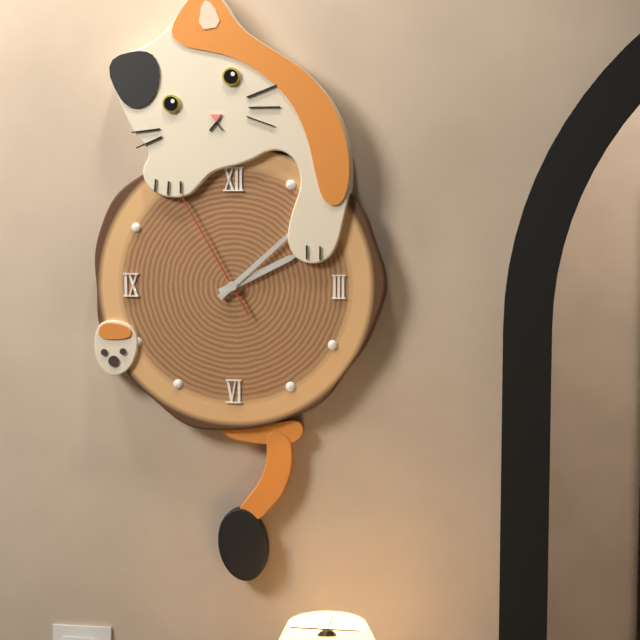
2:08:55
